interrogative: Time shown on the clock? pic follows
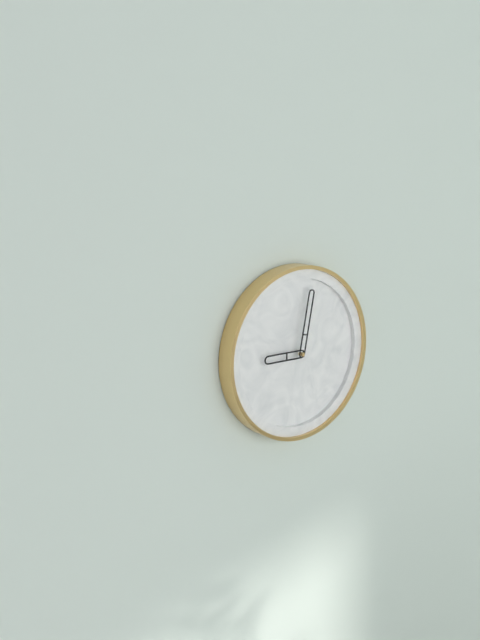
9:02
